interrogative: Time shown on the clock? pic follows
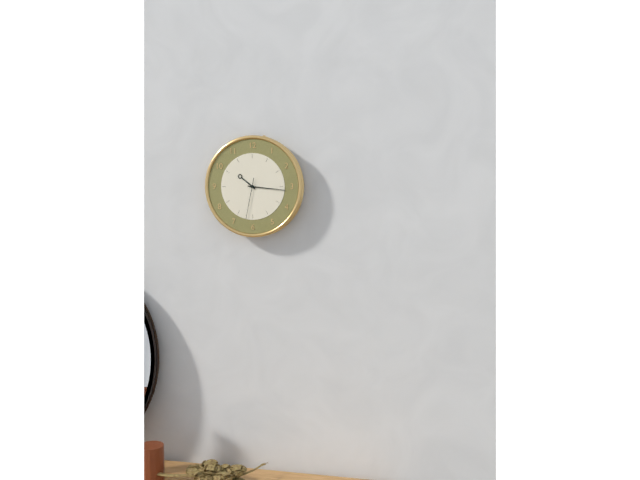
10:16
